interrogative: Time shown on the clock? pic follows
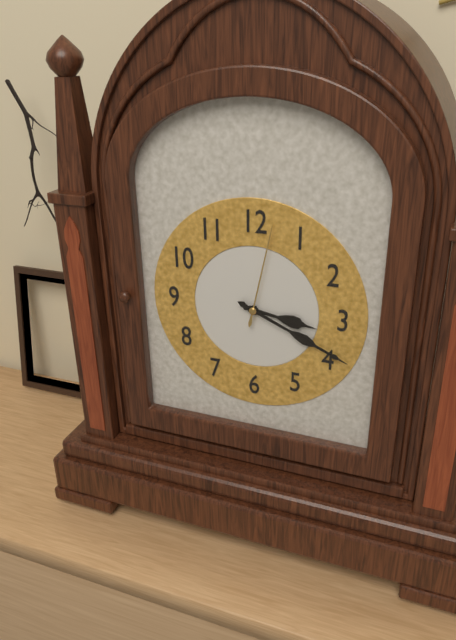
3:19:02
